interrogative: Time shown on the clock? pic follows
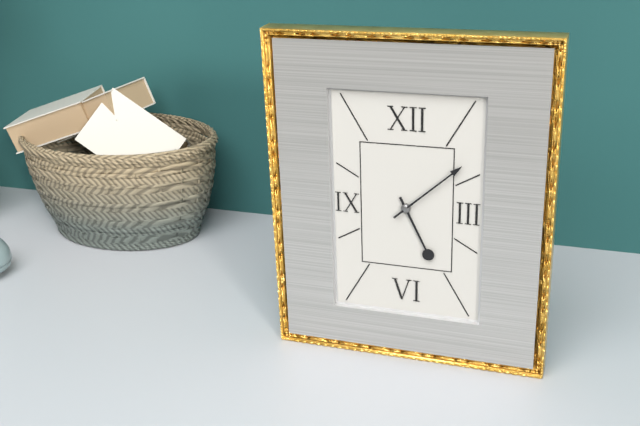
5:08
